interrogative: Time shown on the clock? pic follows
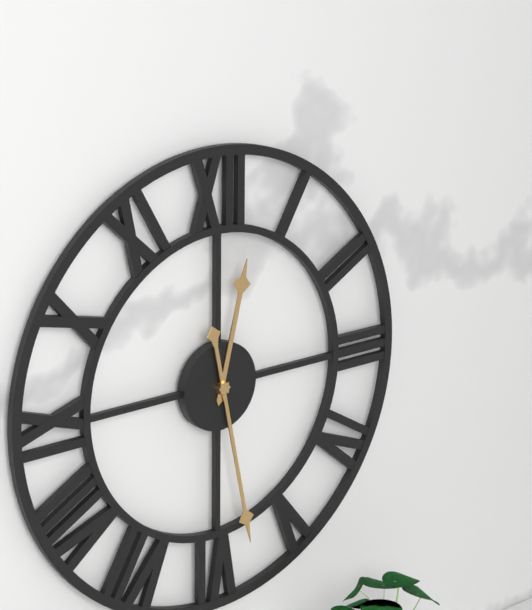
12:28
